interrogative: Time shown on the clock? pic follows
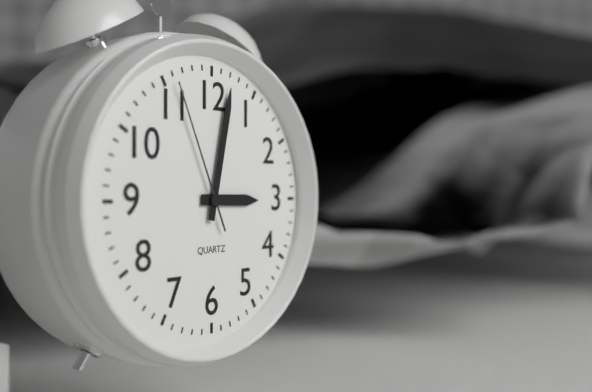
3:02:56
